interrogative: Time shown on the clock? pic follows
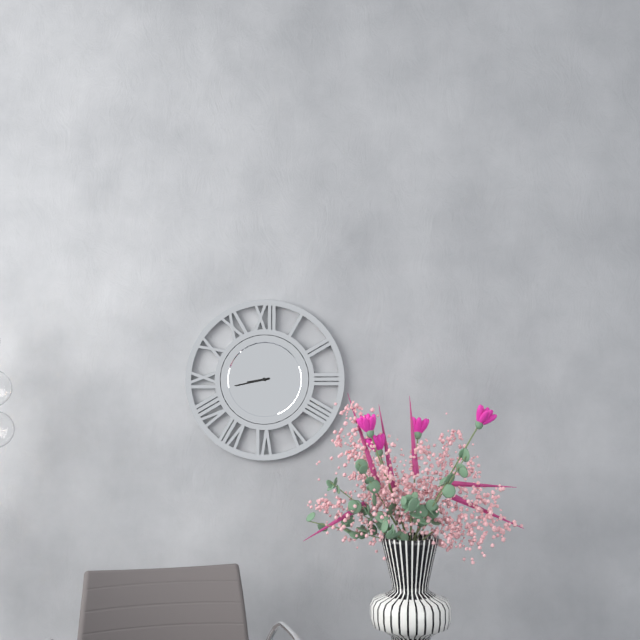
8:43
